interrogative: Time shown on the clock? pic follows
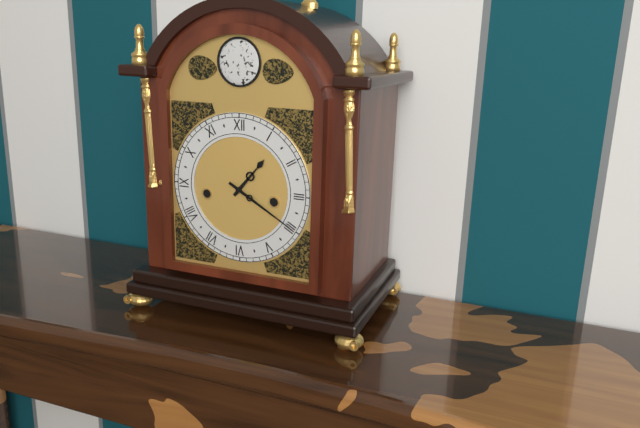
1:20
